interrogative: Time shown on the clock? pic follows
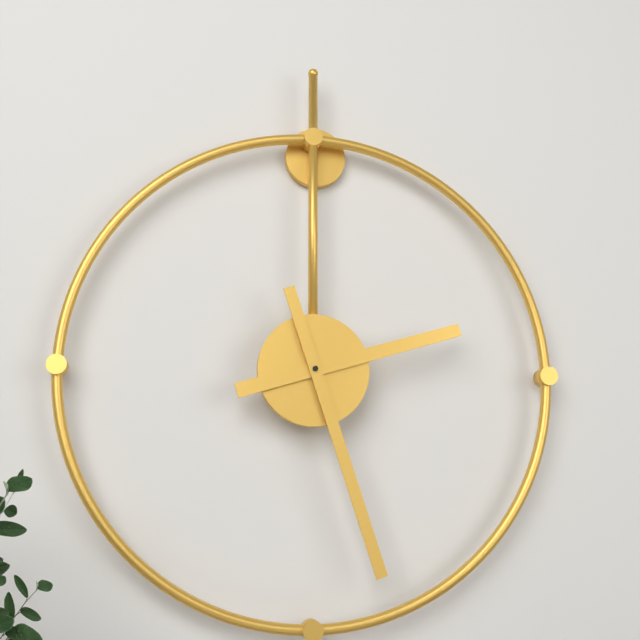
2:27
